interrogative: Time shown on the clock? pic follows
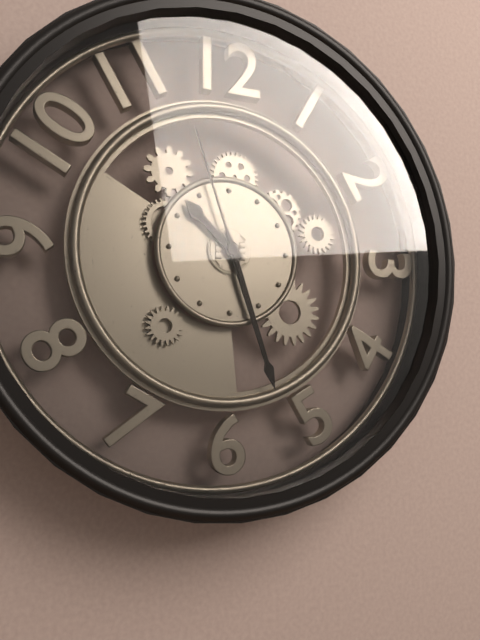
10:27:57
